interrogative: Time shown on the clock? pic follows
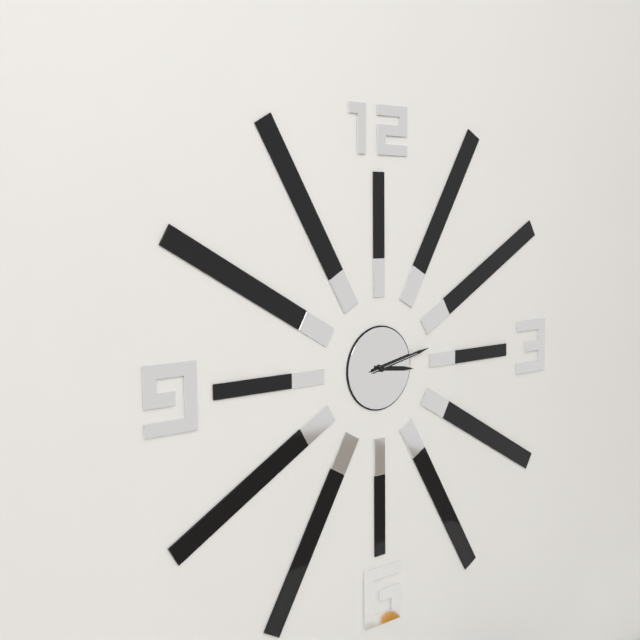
3:13:13
